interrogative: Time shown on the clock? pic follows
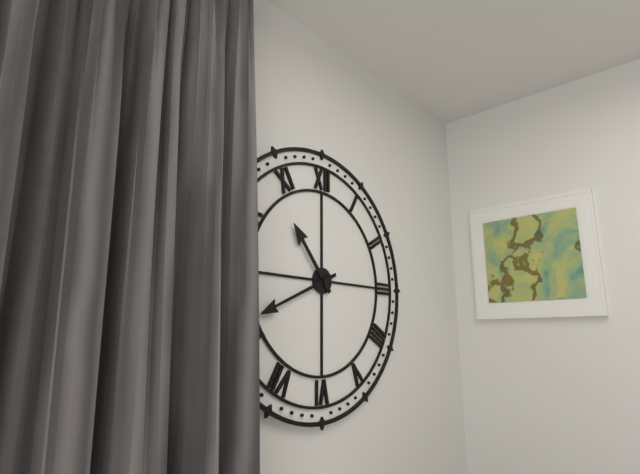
10:41
